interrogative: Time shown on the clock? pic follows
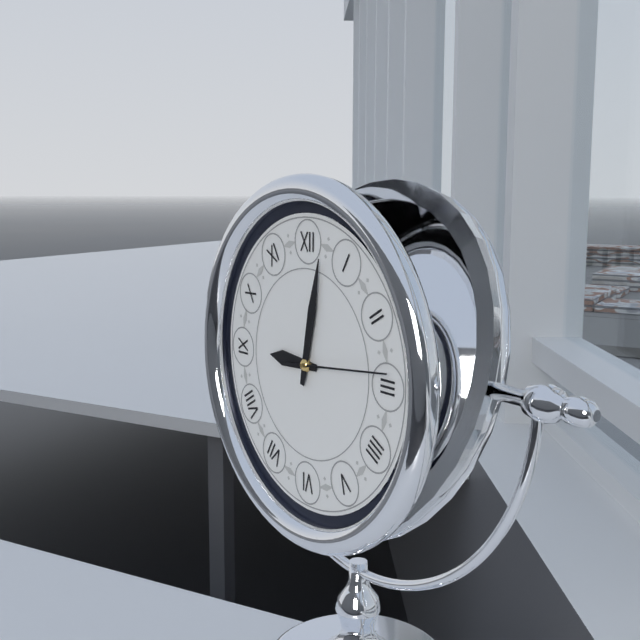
9:02:14
